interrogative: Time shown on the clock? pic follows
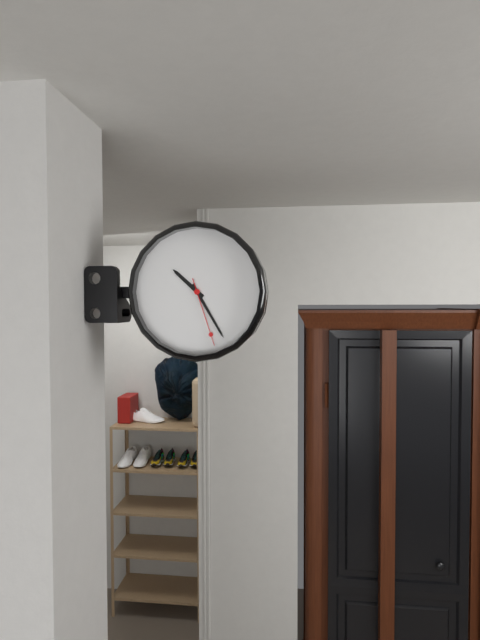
10:25:27
